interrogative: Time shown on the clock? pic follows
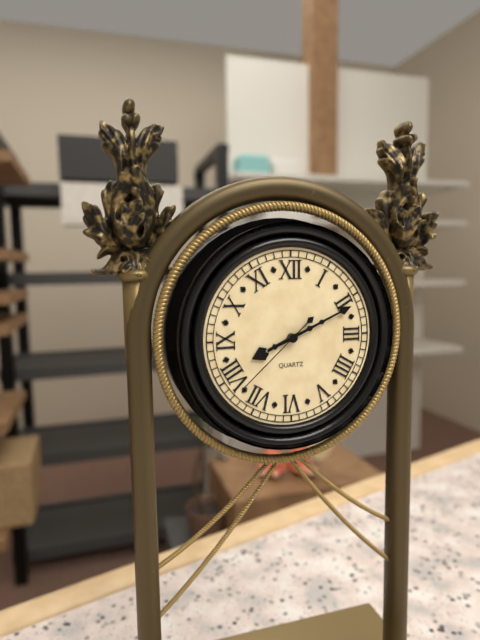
8:11:38
